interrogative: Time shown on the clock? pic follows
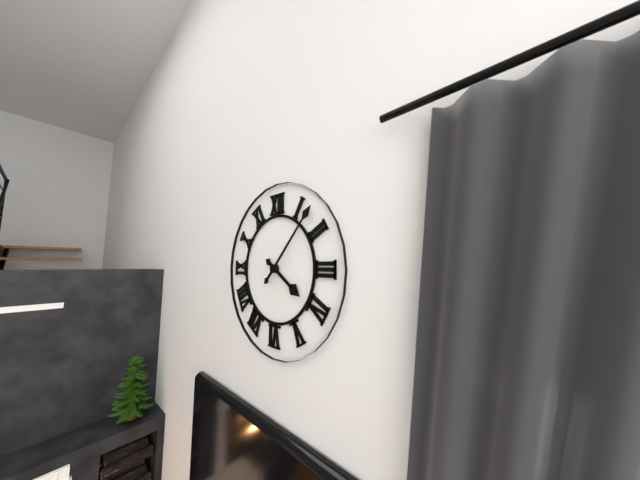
4:07
